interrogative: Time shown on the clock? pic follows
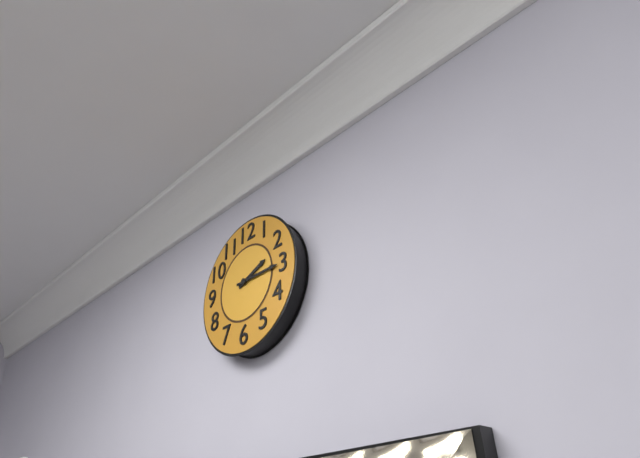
2:15
